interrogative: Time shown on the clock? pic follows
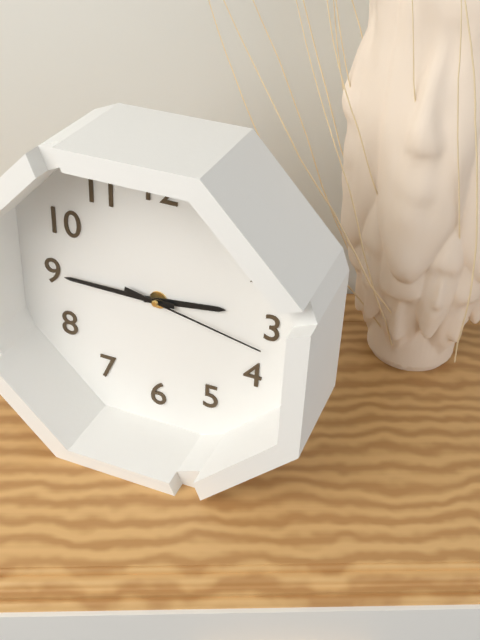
2:45:17
